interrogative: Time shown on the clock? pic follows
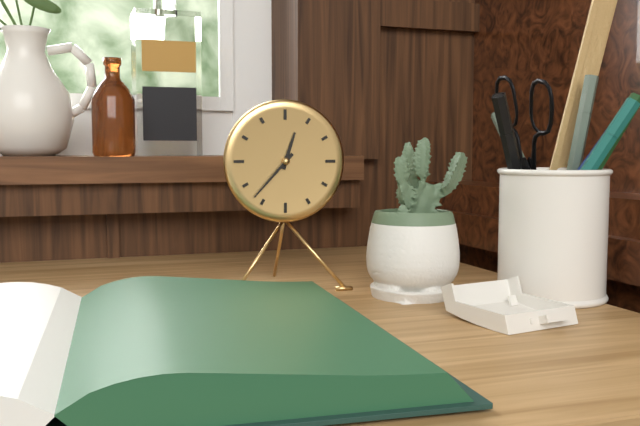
12:37
